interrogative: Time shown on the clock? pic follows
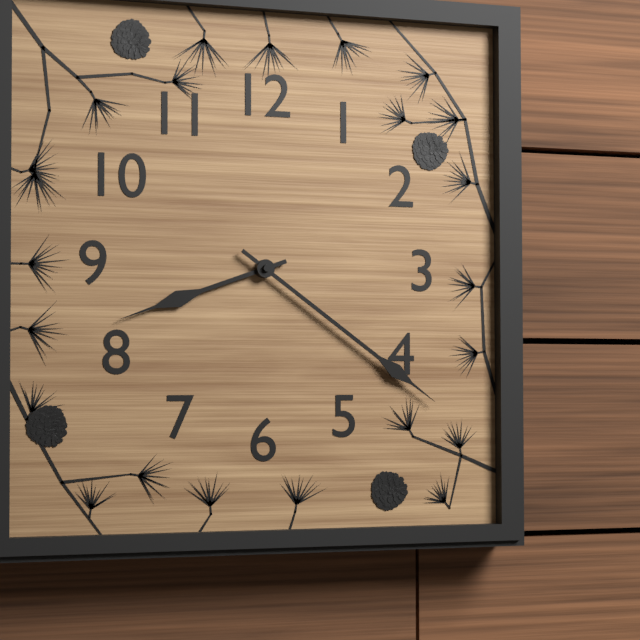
8:21
